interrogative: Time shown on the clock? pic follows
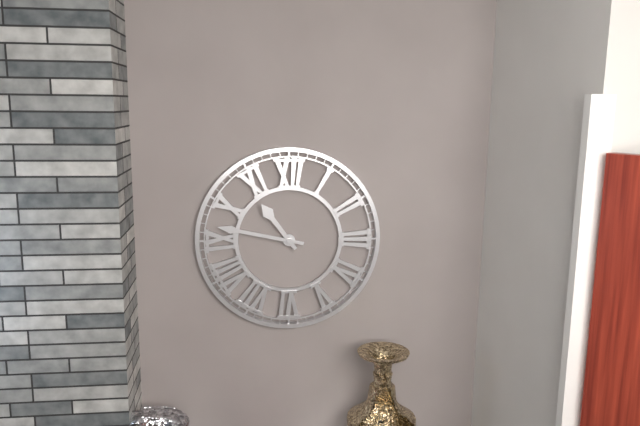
10:47
